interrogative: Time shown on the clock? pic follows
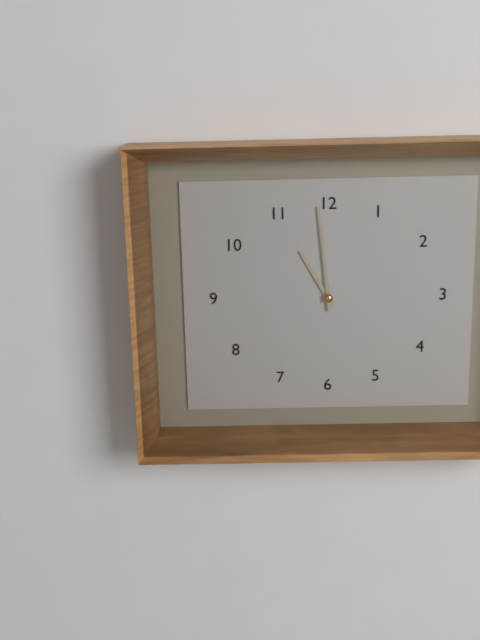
10:59
